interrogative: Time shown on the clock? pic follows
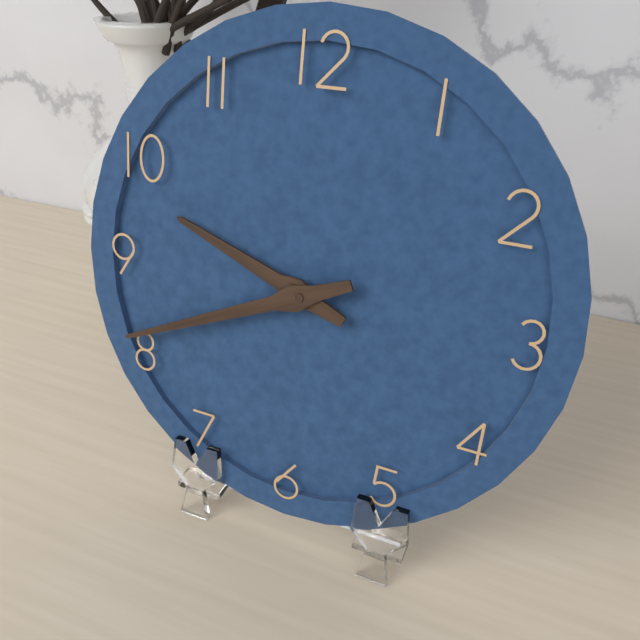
9:41
